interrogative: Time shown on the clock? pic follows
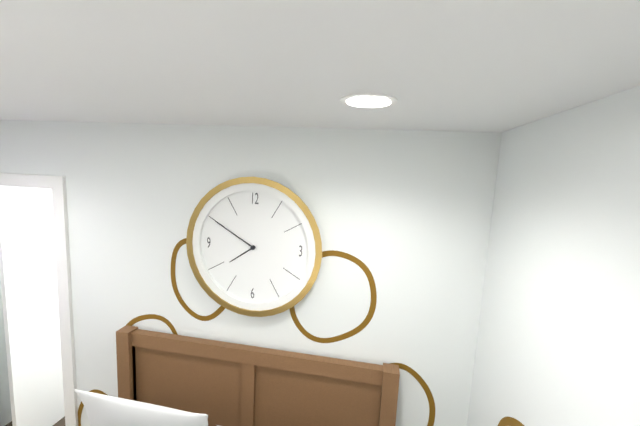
7:50
